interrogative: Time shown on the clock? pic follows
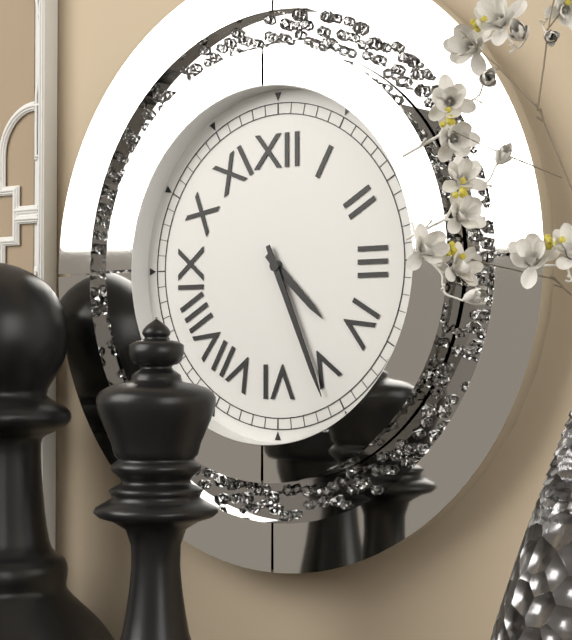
4:26
